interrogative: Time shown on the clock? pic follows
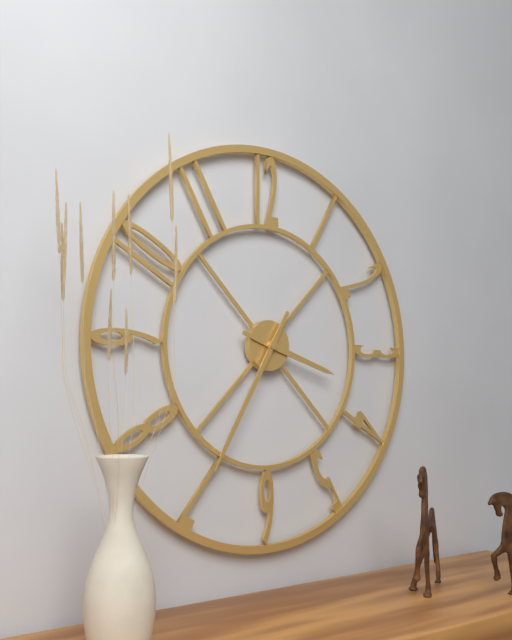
3:35
